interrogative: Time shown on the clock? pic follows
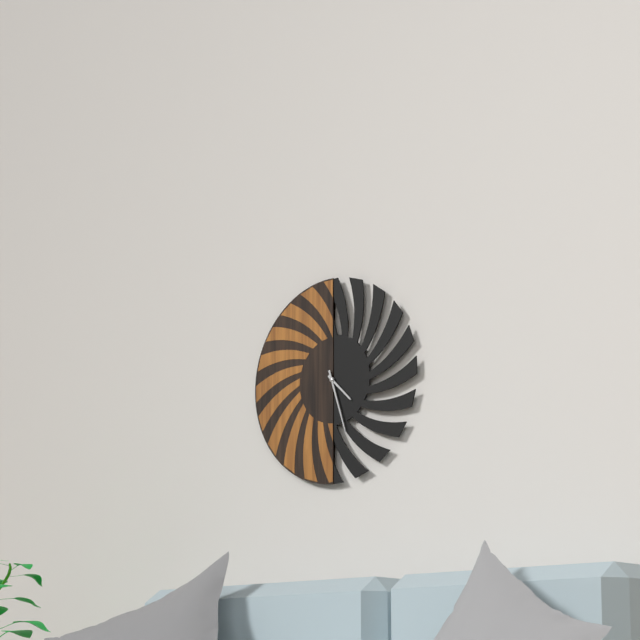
4:27
